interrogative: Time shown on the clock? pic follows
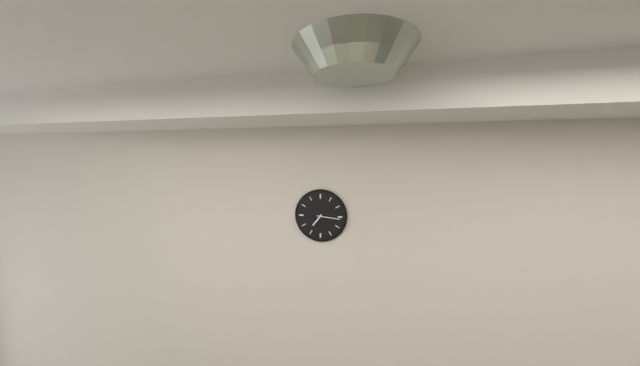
7:16
